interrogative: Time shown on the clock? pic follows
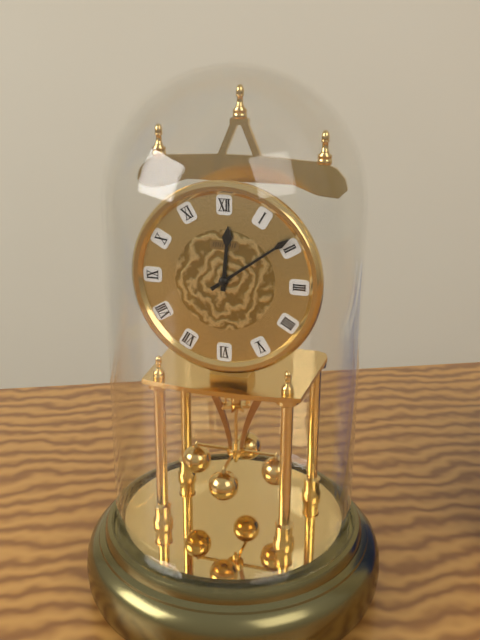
12:09
